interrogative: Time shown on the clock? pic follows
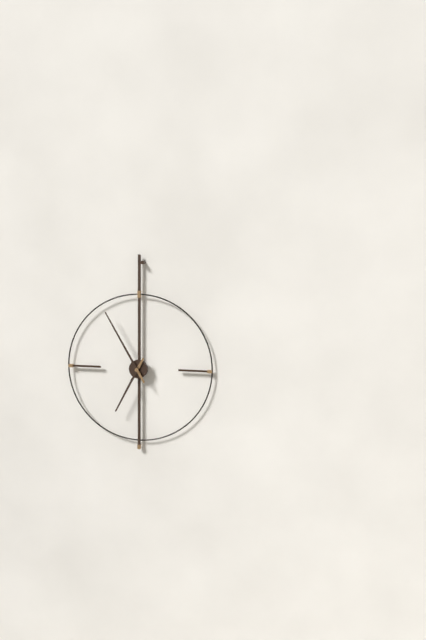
6:55
